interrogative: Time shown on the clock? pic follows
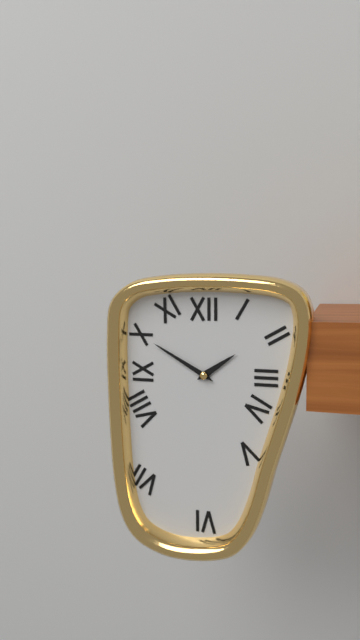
1:50
